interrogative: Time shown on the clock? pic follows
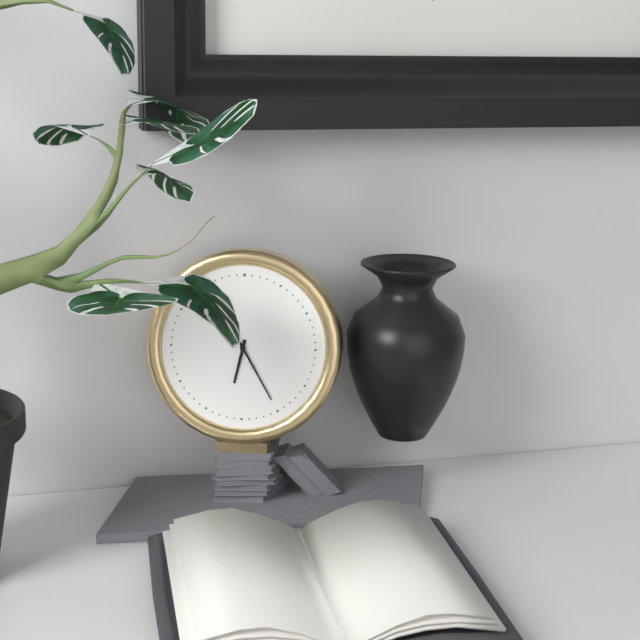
6:25
